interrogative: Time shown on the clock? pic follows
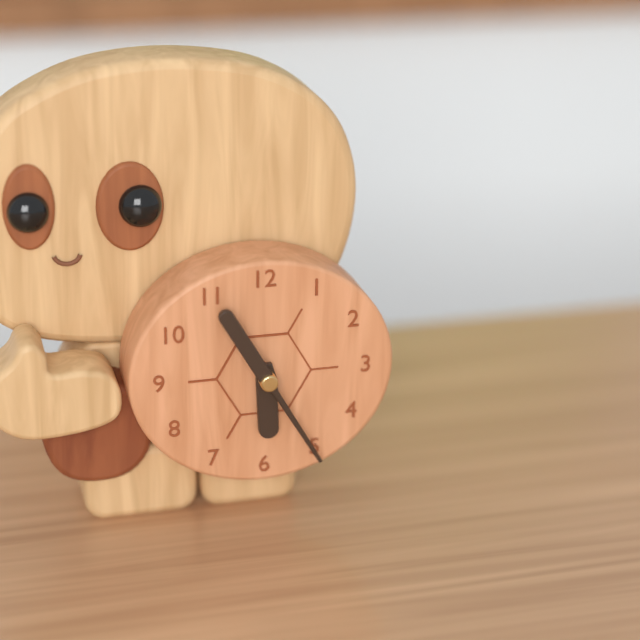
5:55
